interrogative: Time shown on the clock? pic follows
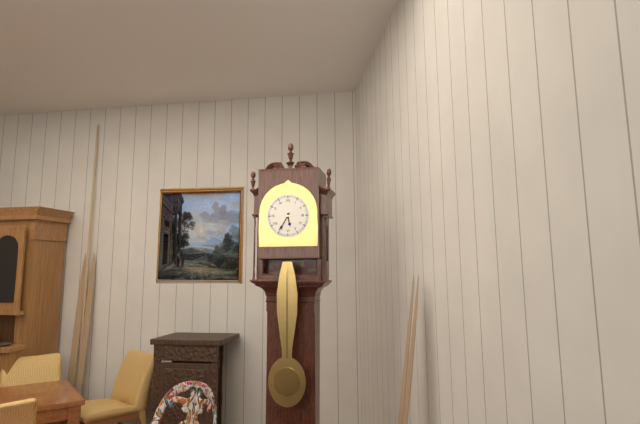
5:35
